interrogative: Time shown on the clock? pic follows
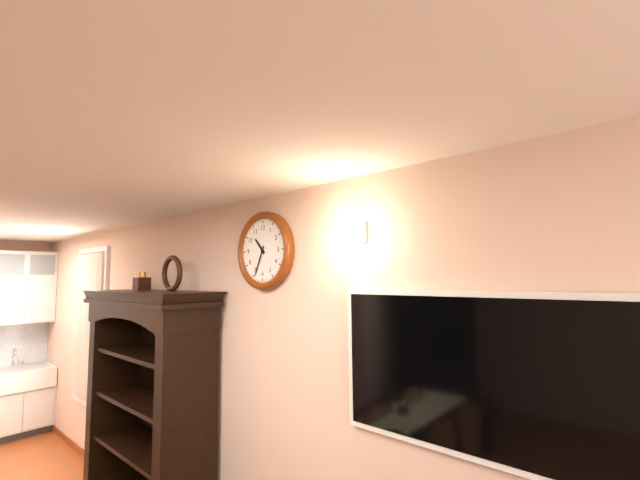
10:34
